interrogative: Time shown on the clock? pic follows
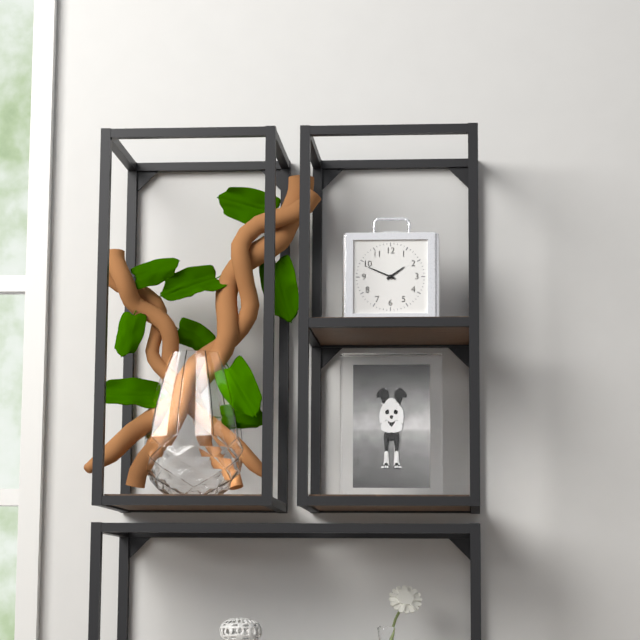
1:49
